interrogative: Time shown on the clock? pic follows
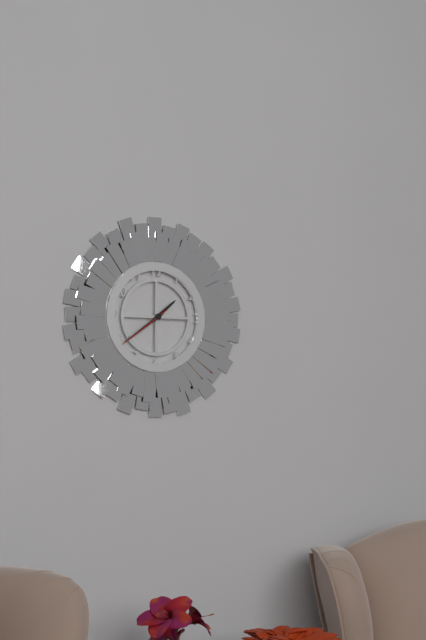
1:39:39
